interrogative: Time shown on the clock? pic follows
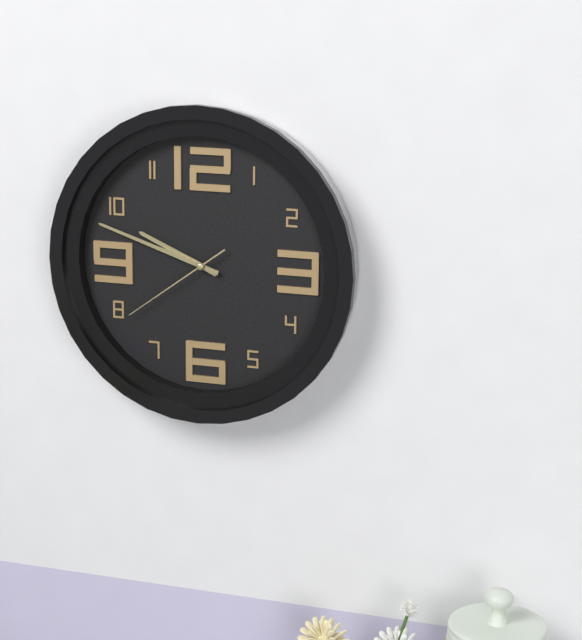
9:48:39
